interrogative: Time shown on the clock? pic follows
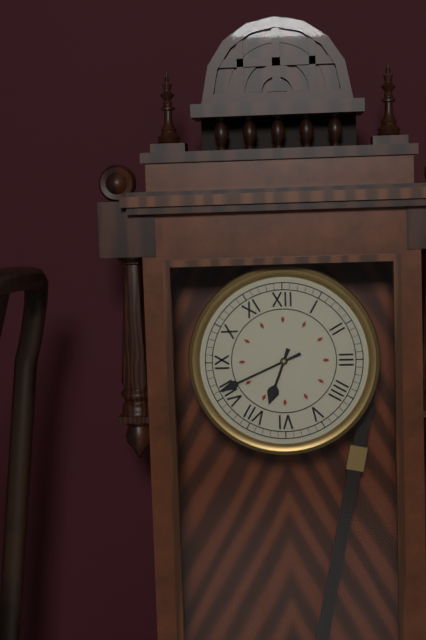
6:41
